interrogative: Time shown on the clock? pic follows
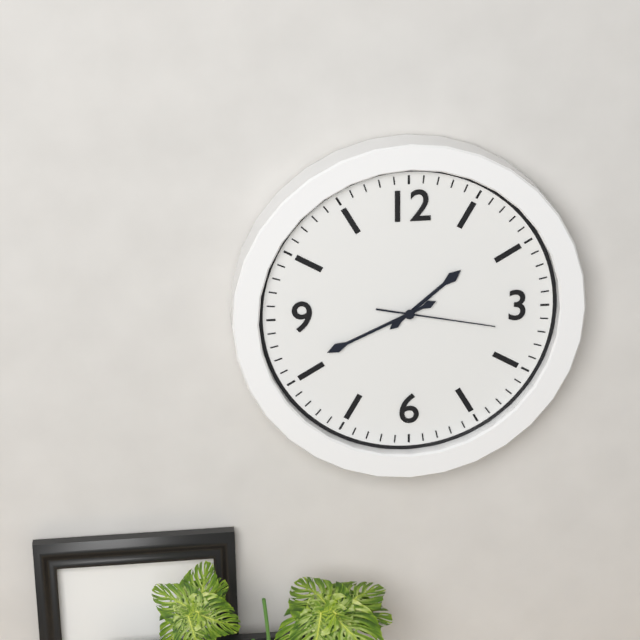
1:41:17
